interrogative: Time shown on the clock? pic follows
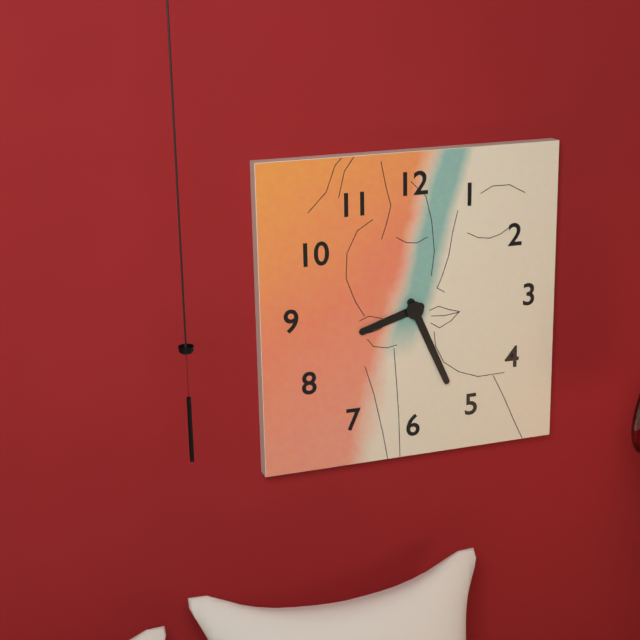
8:26
